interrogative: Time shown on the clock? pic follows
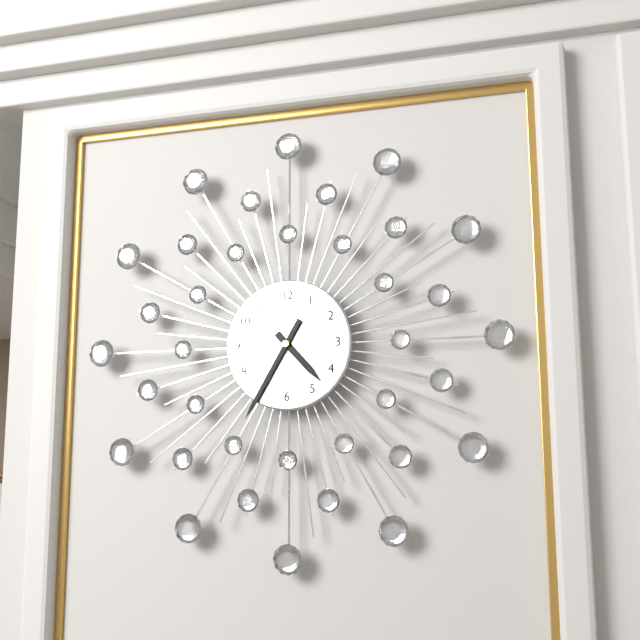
4:35
